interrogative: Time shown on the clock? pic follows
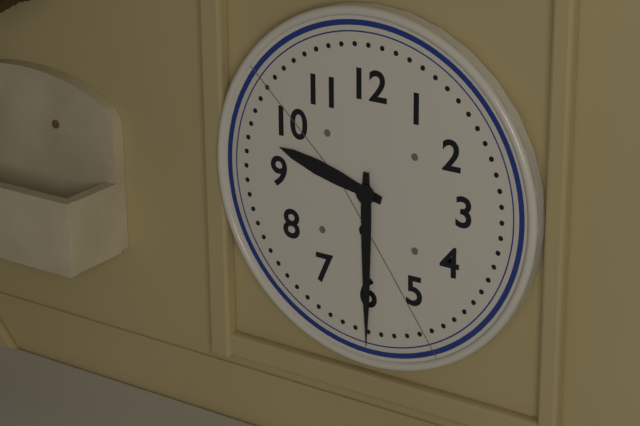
9:30
